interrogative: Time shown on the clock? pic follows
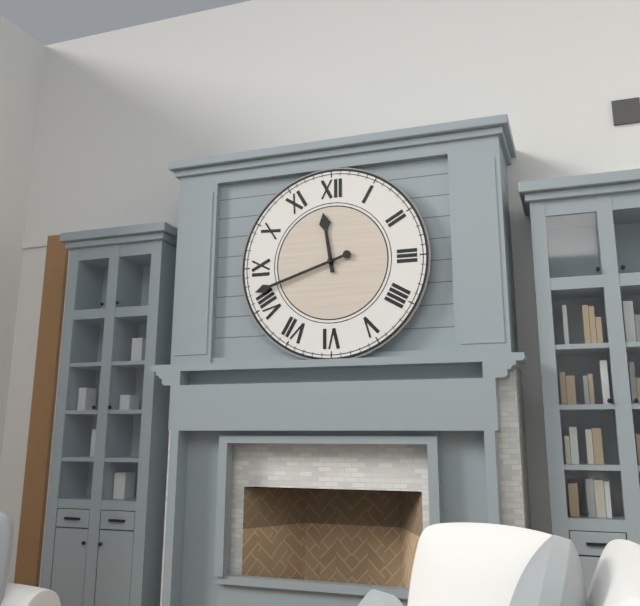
11:42
